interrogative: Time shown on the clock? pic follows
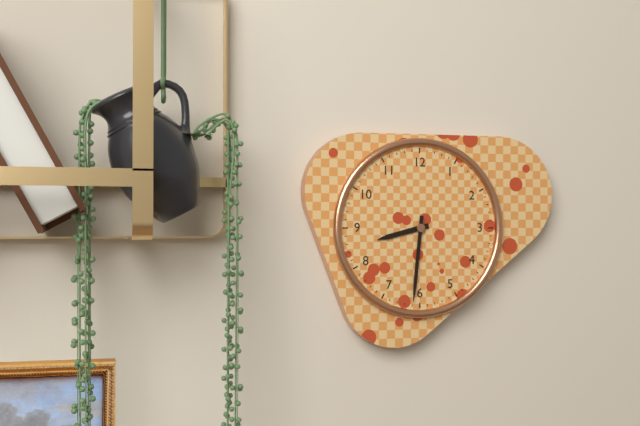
8:31
